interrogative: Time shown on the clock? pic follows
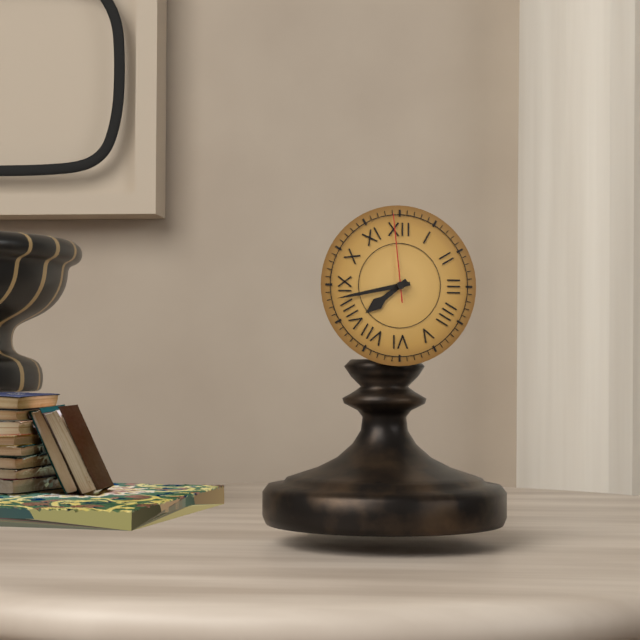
7:43:59
